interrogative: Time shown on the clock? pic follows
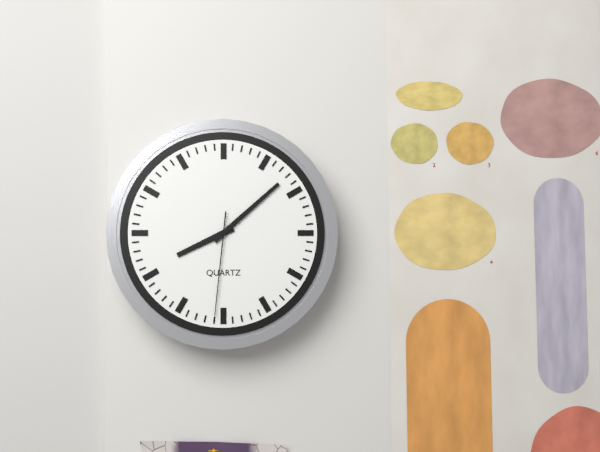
8:08:31
